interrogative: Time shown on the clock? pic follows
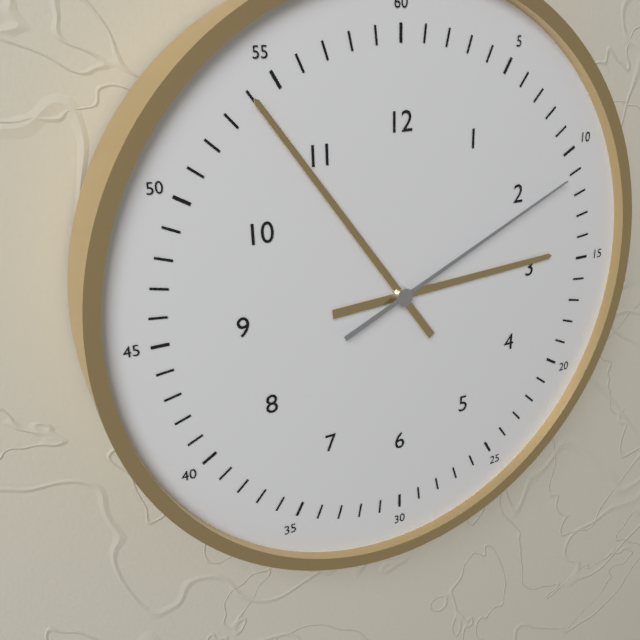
2:54:11
